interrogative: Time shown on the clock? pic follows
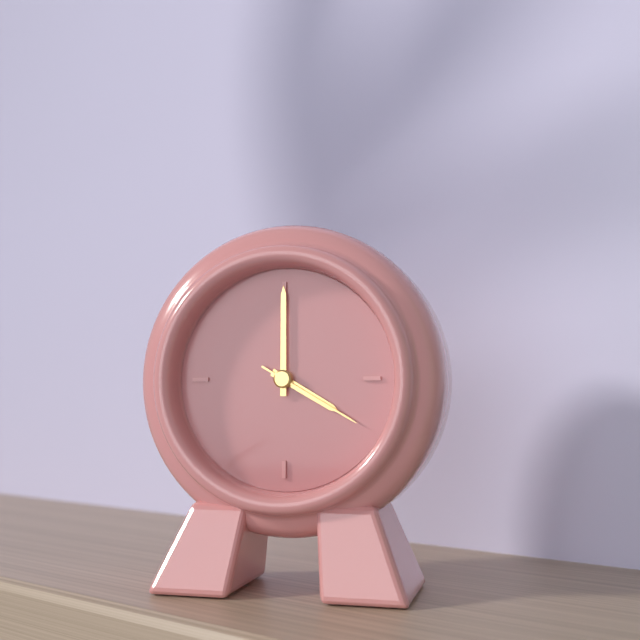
4:00:20
